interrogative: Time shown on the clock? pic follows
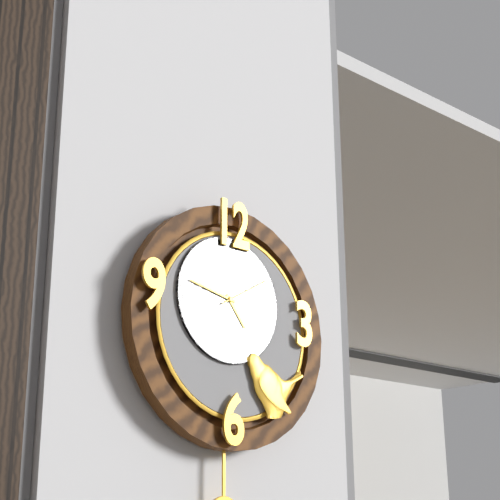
4:47:10
